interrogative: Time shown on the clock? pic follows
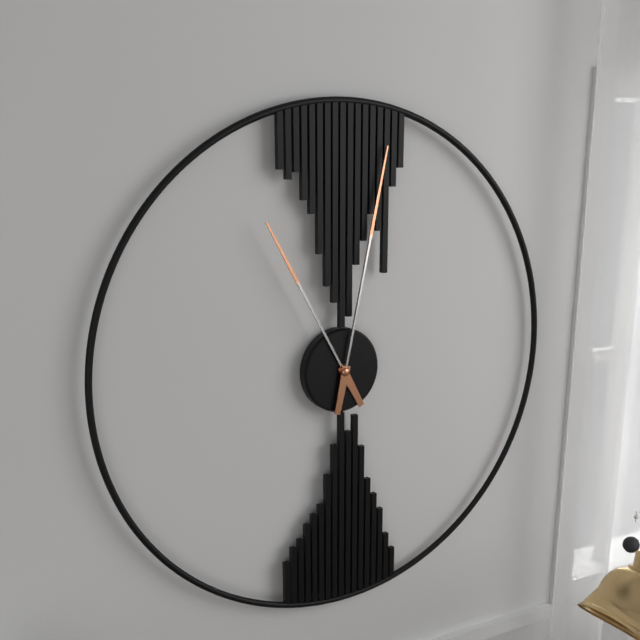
11:02
